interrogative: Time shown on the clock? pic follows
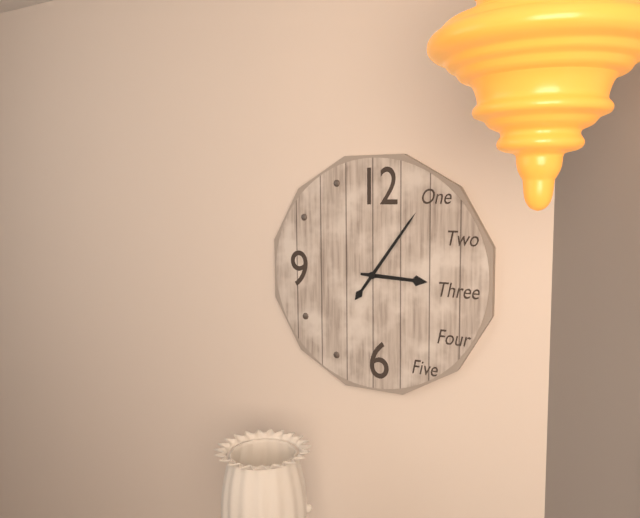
3:06
